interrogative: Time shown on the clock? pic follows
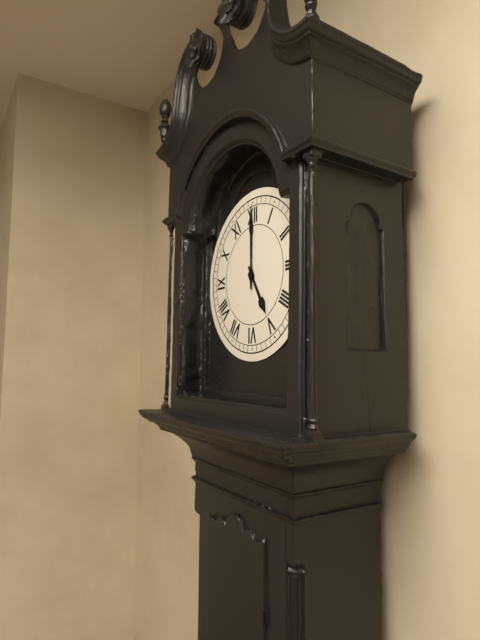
5:00
